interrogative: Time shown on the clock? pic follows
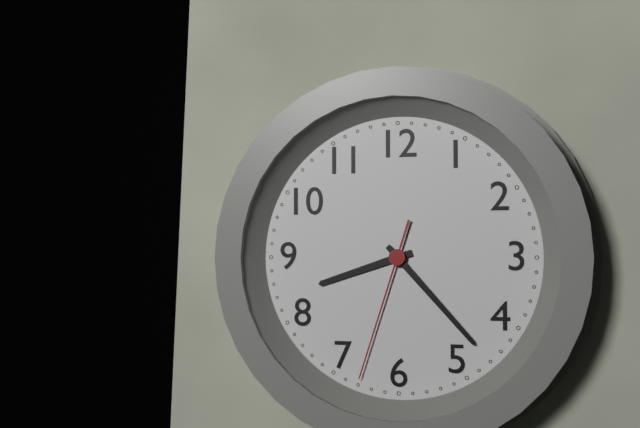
8:23:33
